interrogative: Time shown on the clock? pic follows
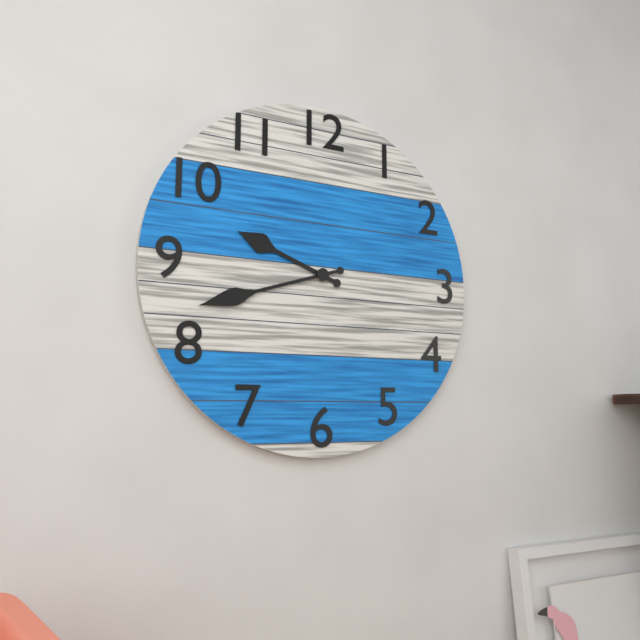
9:42
